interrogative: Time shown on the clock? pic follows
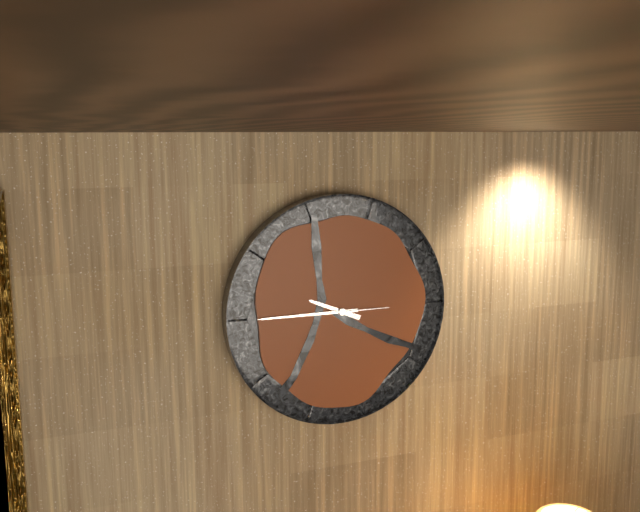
9:45:15
